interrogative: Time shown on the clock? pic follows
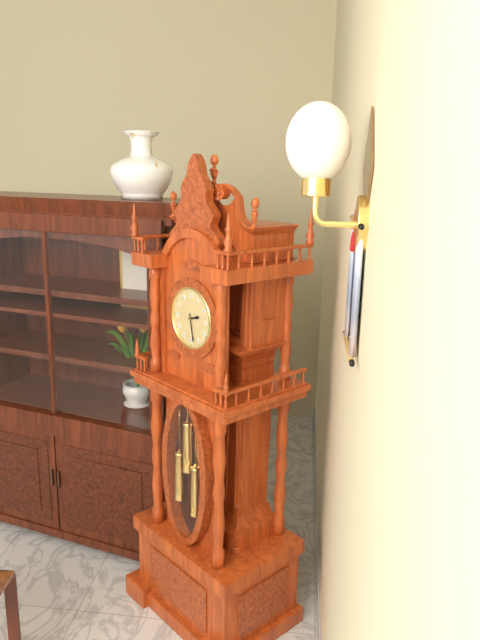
2:28
